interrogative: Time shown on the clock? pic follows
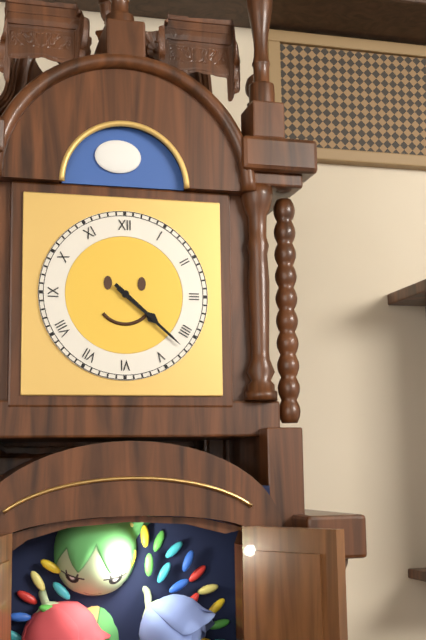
4:22
